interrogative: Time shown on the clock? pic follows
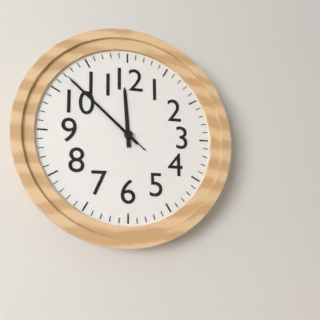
11:52:52
